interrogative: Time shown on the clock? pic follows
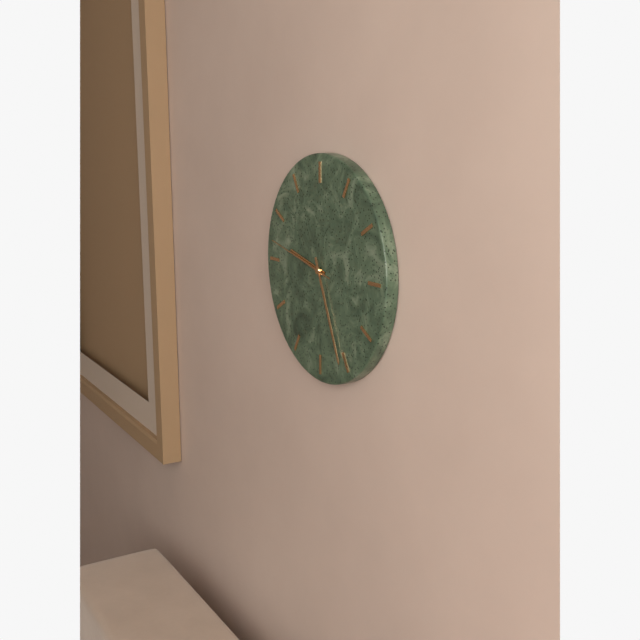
9:26:47
